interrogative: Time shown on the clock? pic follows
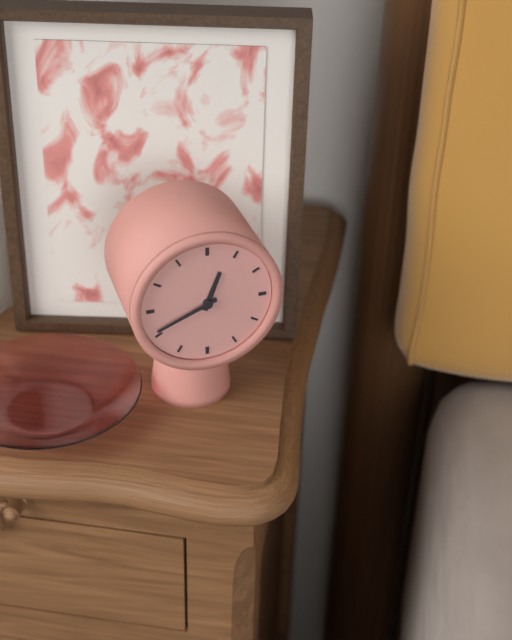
12:41
